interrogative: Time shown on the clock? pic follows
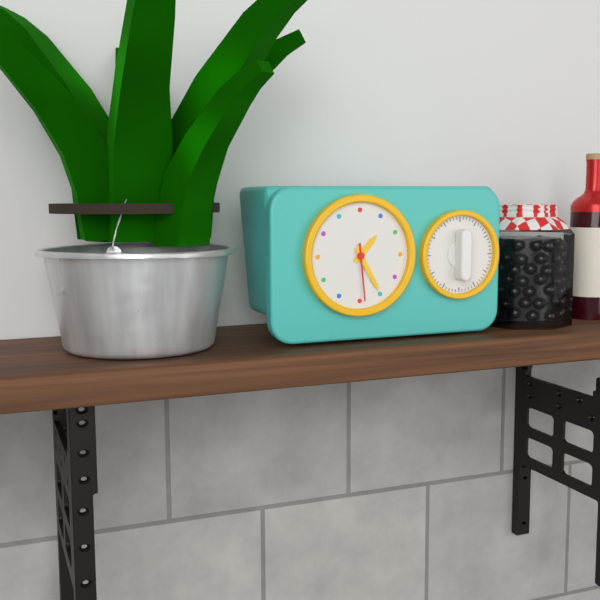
1:25:29
